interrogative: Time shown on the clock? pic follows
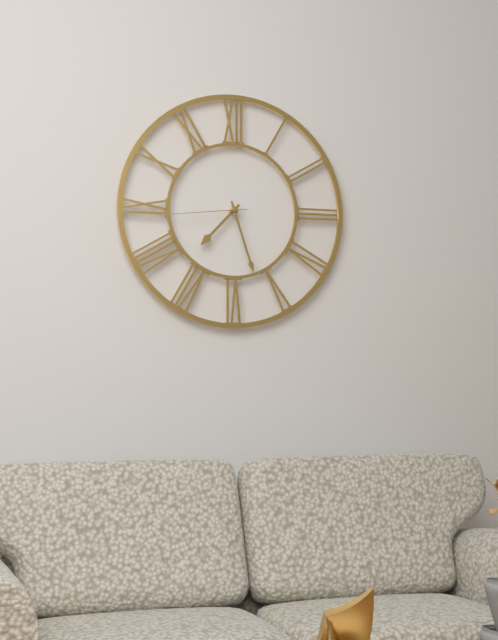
7:27:44
